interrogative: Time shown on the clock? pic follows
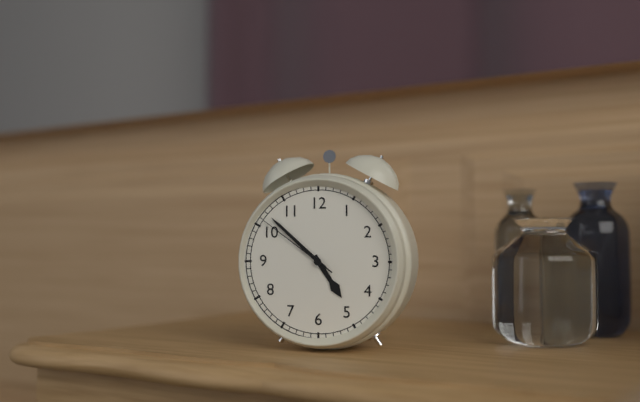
4:52:51
